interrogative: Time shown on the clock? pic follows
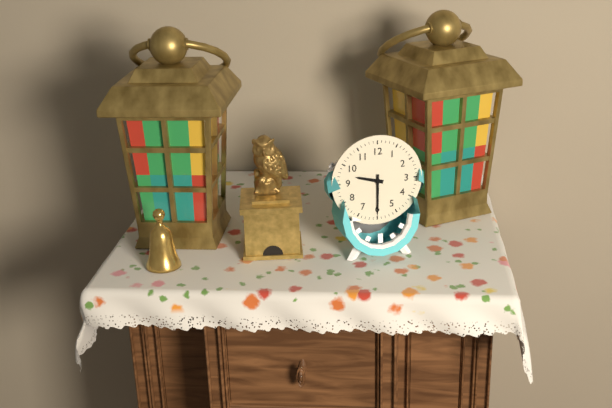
9:30
